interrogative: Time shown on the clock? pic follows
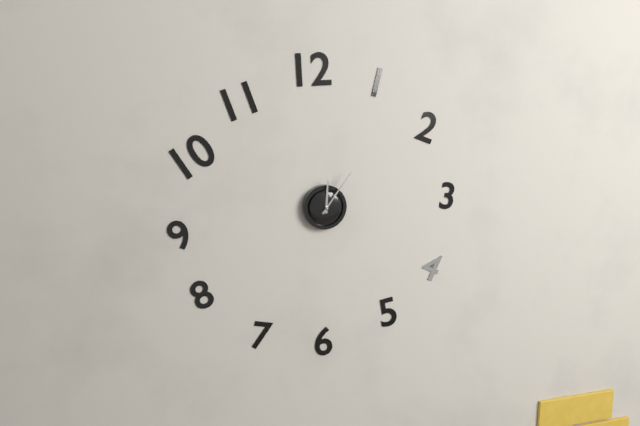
12:06
